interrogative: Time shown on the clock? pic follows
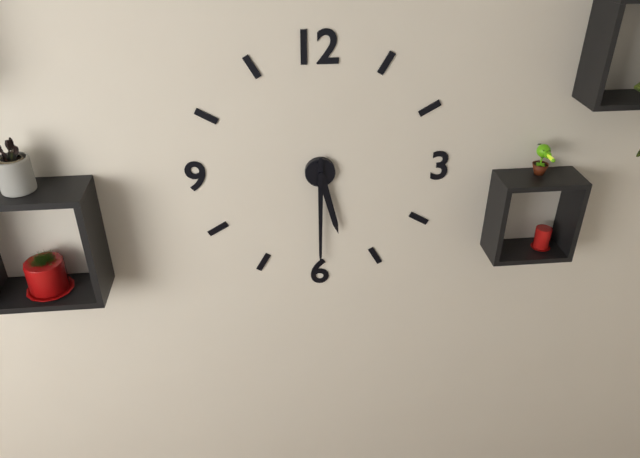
5:30
